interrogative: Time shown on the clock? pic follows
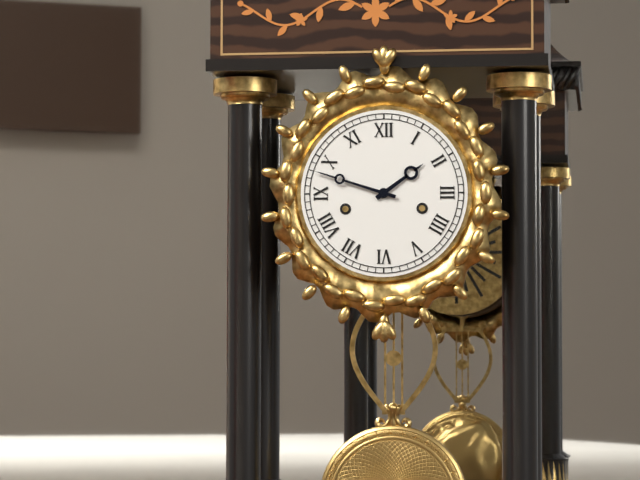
1:48
